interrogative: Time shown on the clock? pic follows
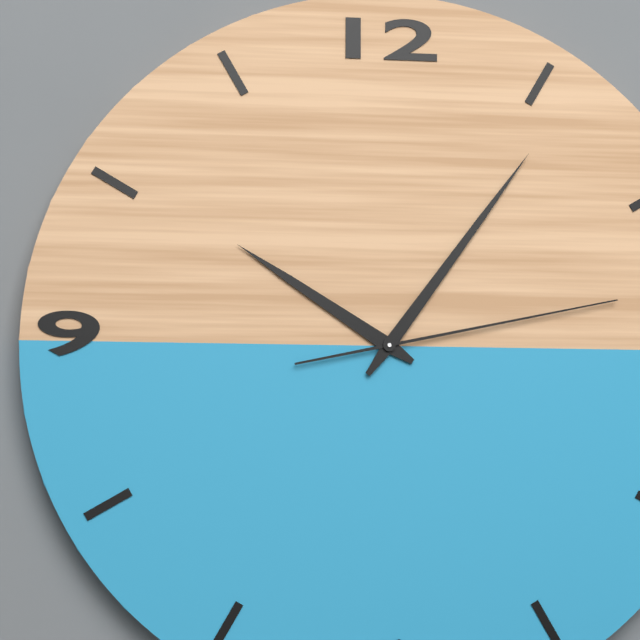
10:06:13
